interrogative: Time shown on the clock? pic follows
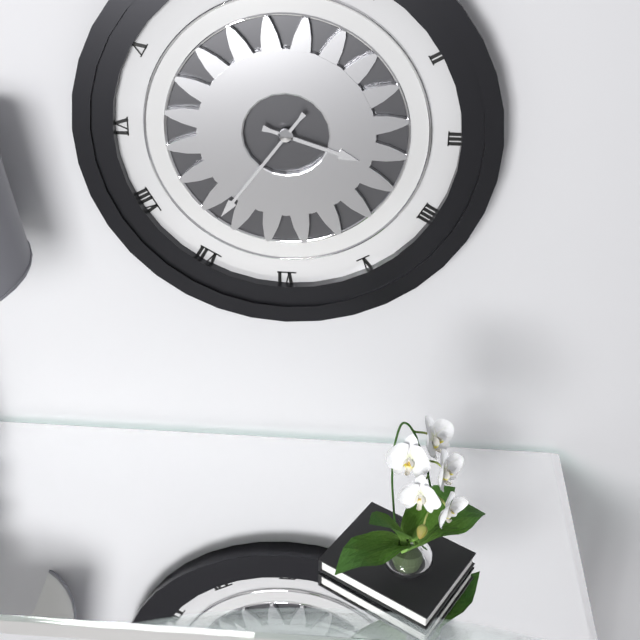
3:36
